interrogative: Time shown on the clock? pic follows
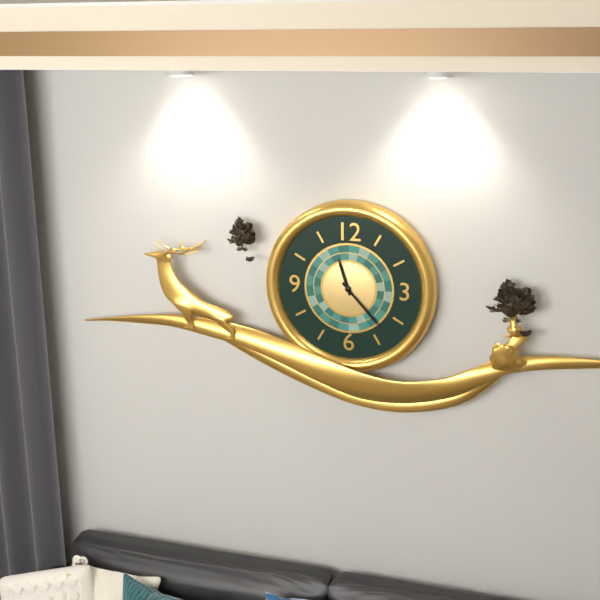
11:23
